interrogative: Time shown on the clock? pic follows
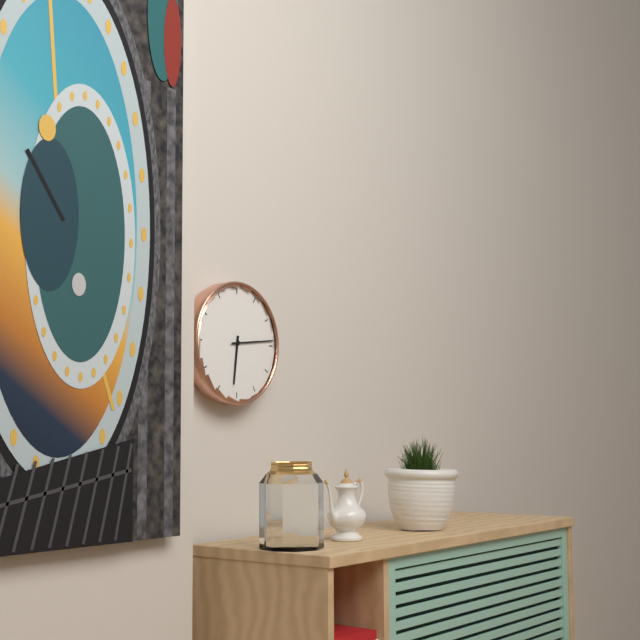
6:14
